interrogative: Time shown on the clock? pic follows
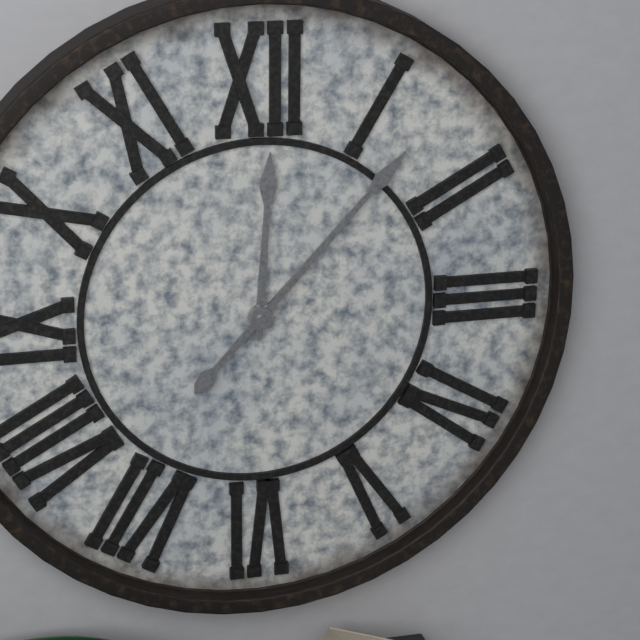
12:07
